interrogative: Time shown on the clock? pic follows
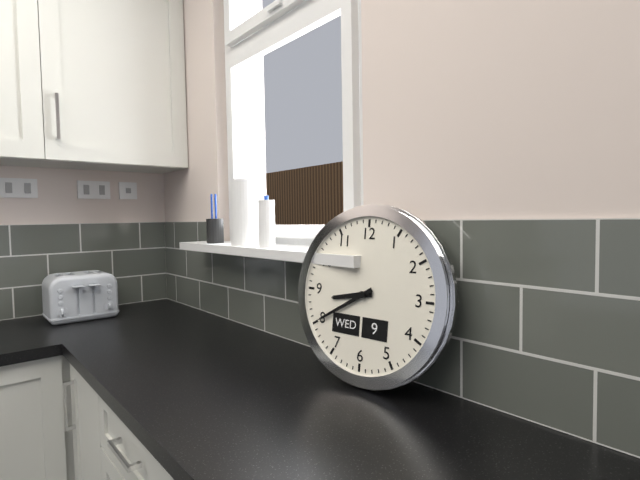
8:40
